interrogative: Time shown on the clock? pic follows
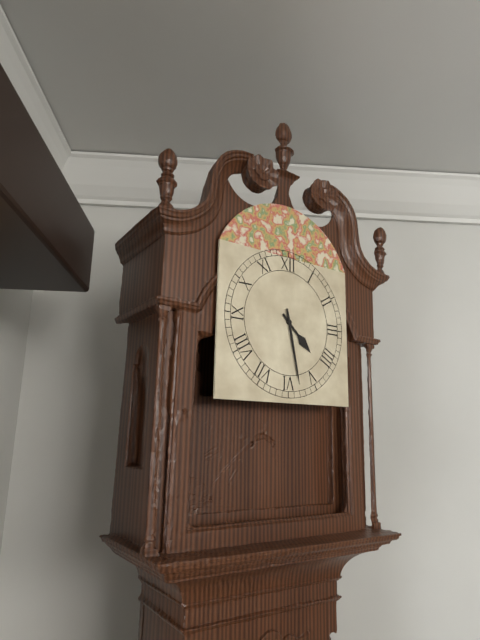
4:28
